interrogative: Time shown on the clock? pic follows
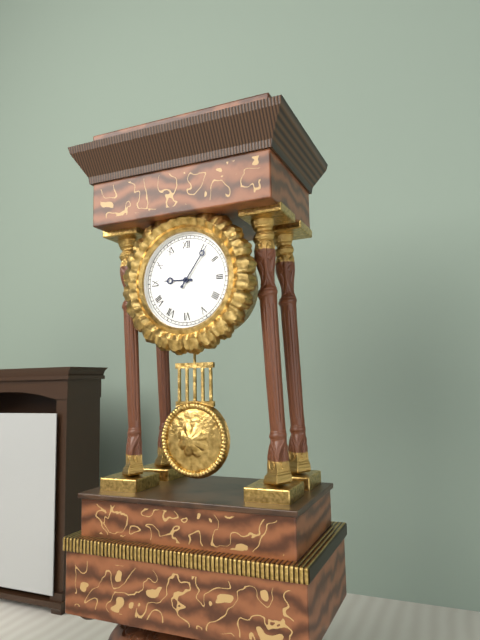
9:06
